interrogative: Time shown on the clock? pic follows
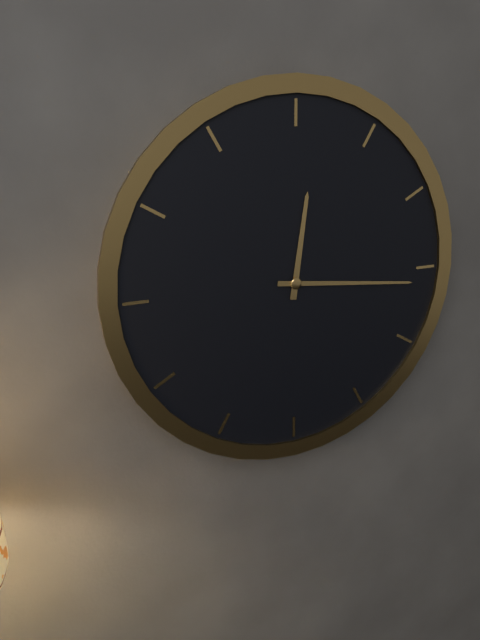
12:16
